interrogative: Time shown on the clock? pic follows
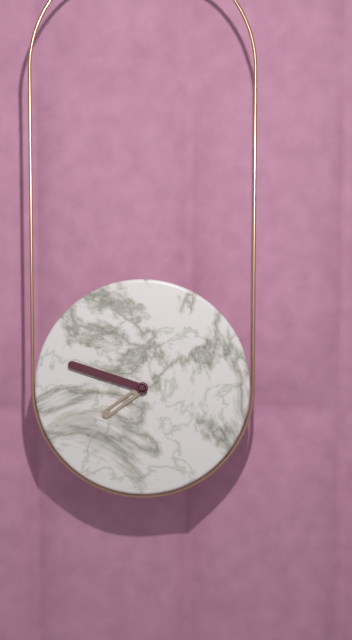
7:48
